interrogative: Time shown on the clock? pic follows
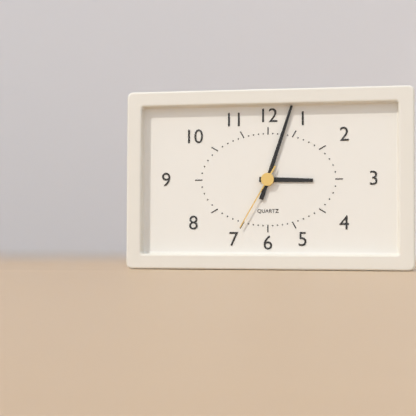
3:03:35
